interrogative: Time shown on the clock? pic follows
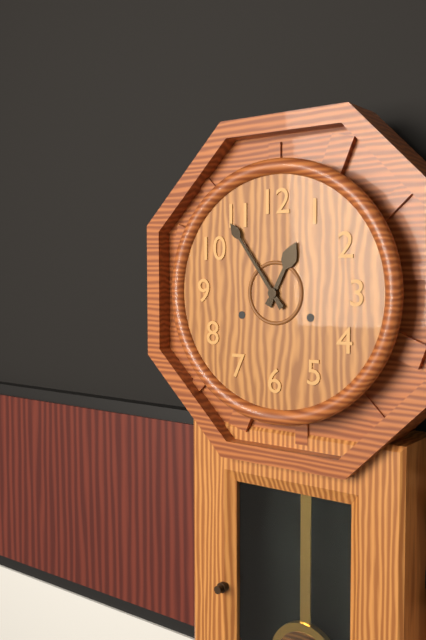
12:54
